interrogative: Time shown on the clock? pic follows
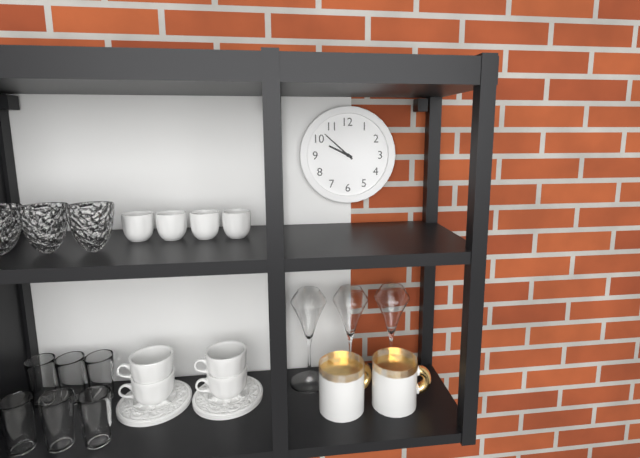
9:52
